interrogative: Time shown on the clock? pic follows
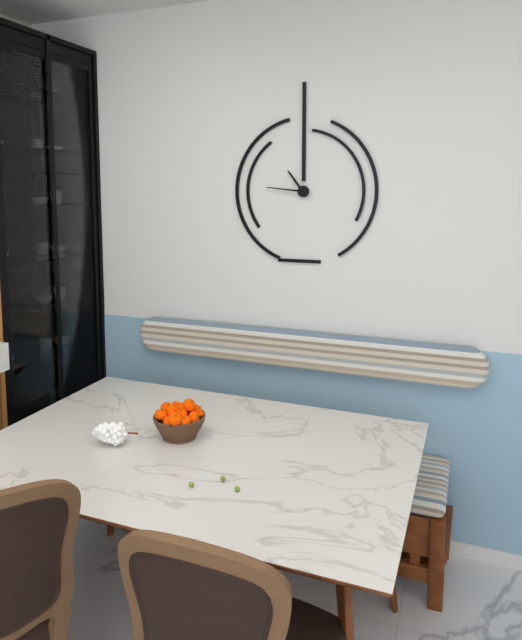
10:46
